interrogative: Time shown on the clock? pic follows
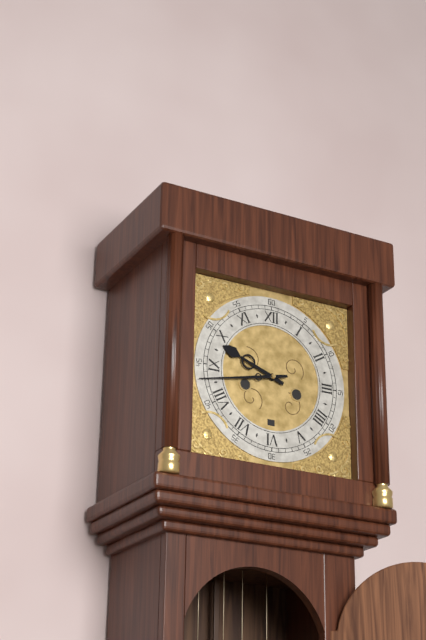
9:43
